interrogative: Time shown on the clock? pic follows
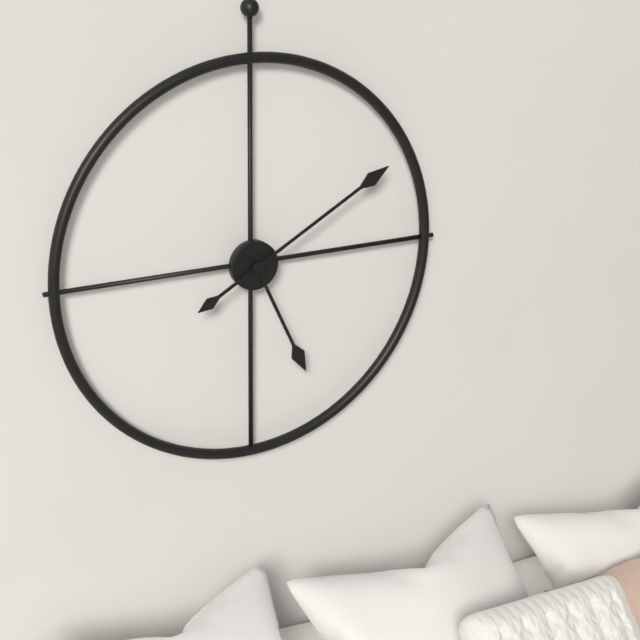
5:10
